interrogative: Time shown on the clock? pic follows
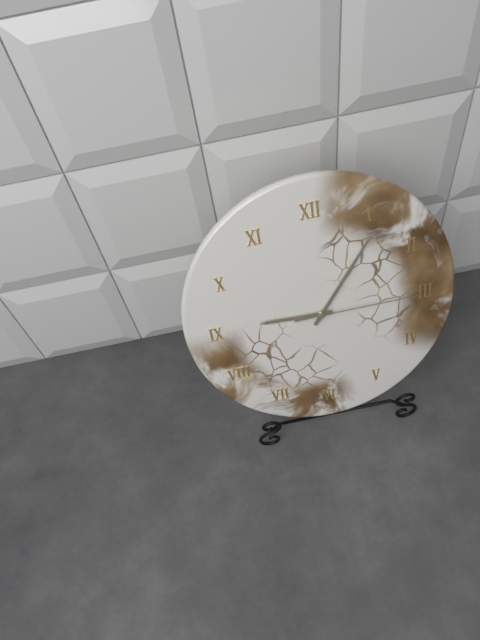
9:06:15
